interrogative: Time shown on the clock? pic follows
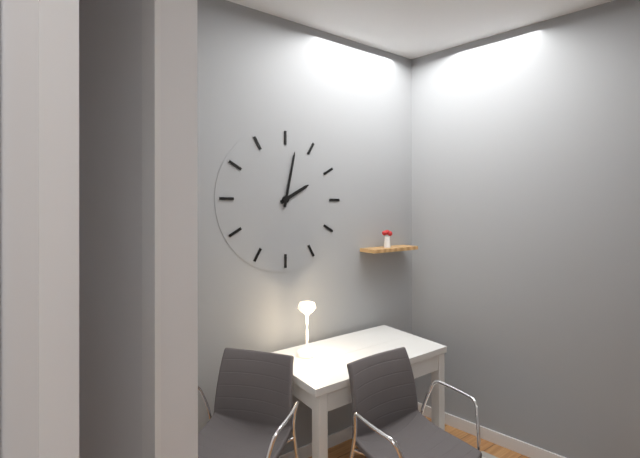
2:02
